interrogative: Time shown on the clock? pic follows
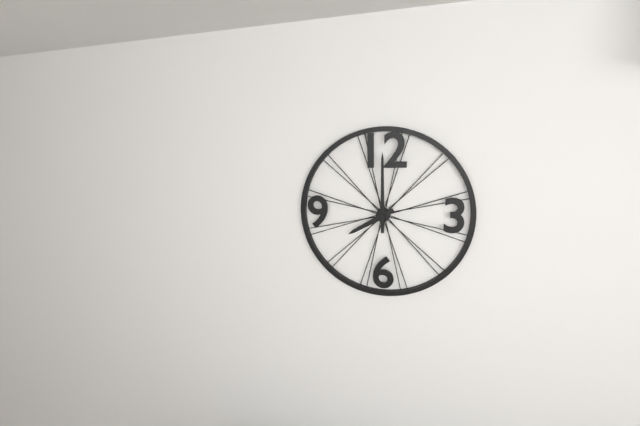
8:00
